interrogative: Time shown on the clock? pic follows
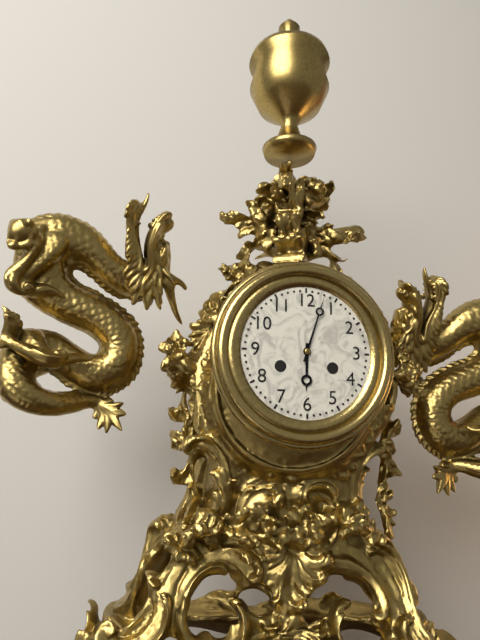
6:03
